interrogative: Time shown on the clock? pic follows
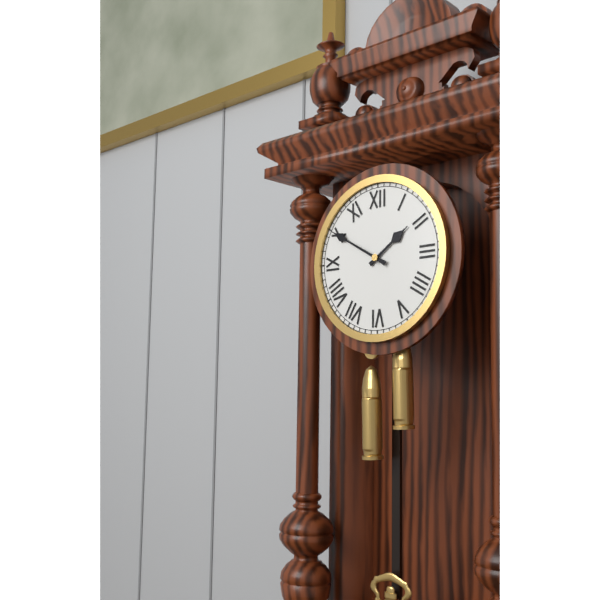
1:50
